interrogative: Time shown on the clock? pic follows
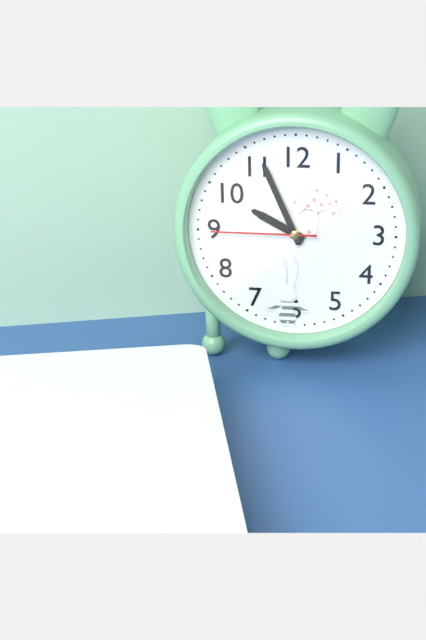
9:56:45
